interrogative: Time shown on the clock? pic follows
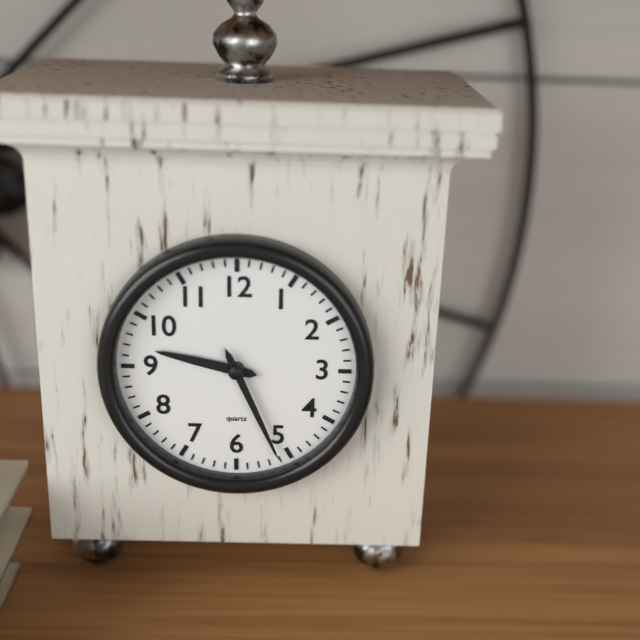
9:26
